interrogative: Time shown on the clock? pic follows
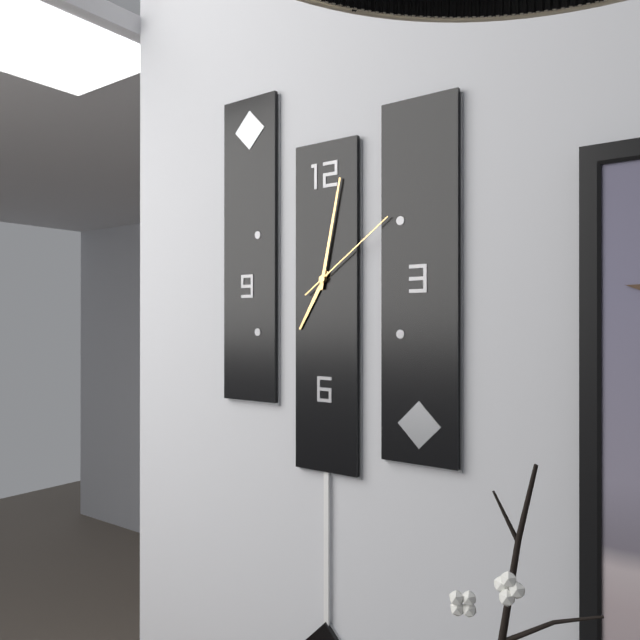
7:02:09
